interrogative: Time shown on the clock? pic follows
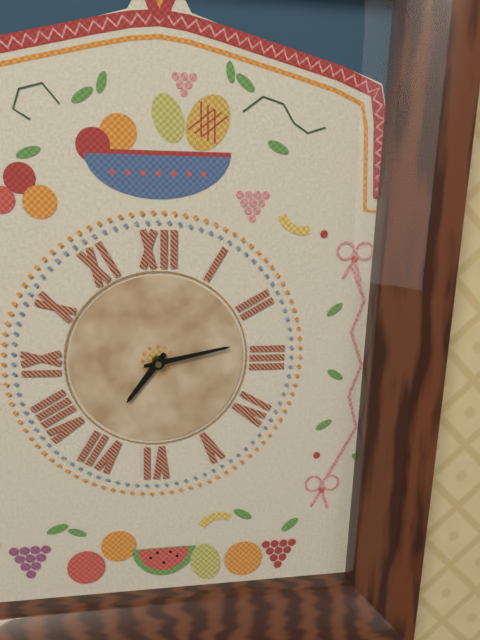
7:13
